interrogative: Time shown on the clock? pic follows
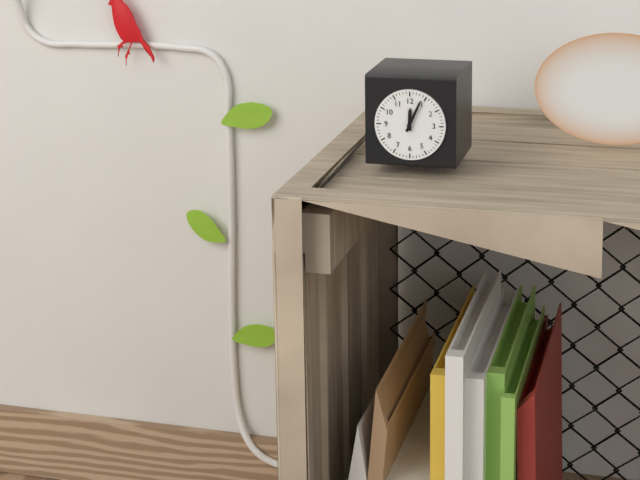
12:04
